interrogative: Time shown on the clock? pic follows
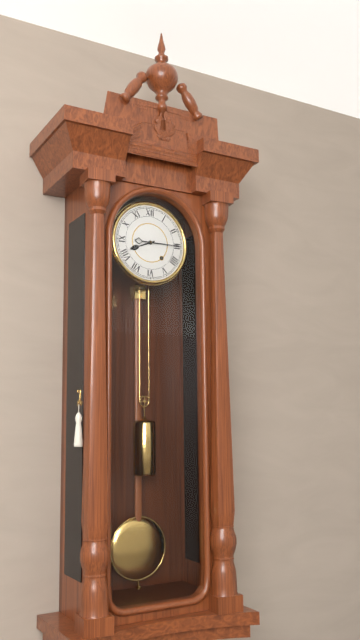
8:15
